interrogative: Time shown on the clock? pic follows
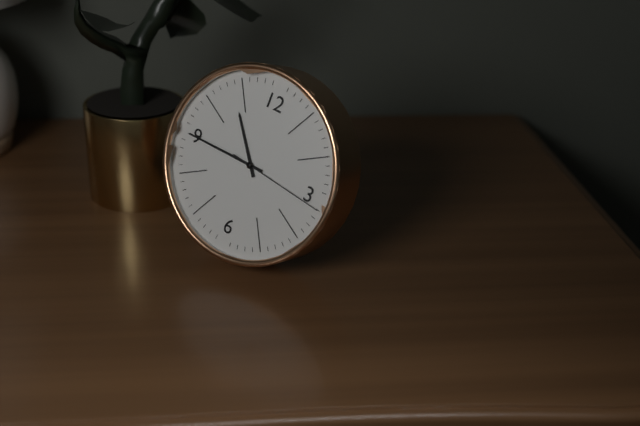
10:45:16
